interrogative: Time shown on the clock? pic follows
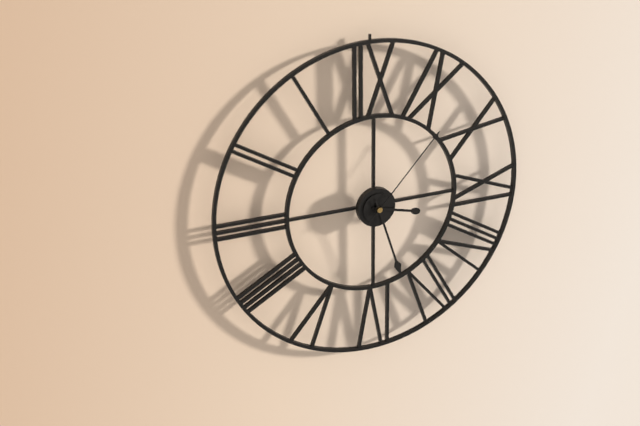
3:27:07
